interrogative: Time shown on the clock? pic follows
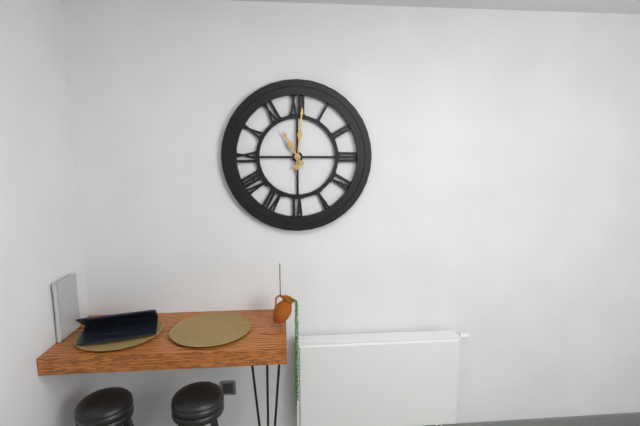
11:01
